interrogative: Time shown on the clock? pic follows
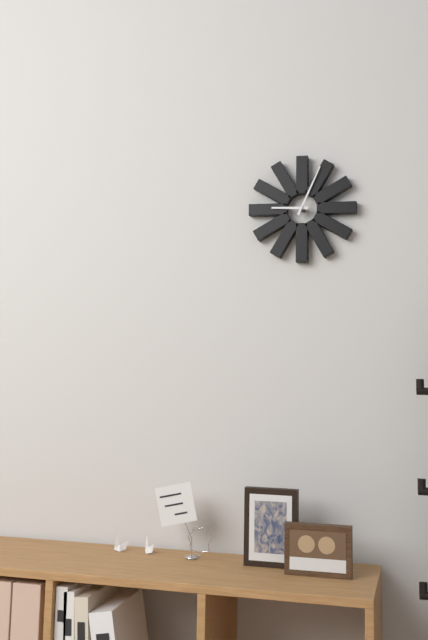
9:04
